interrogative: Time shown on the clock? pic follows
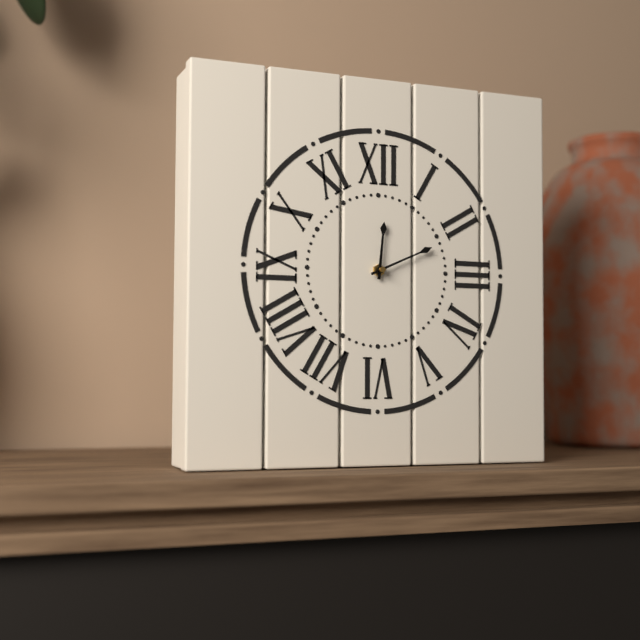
12:11
